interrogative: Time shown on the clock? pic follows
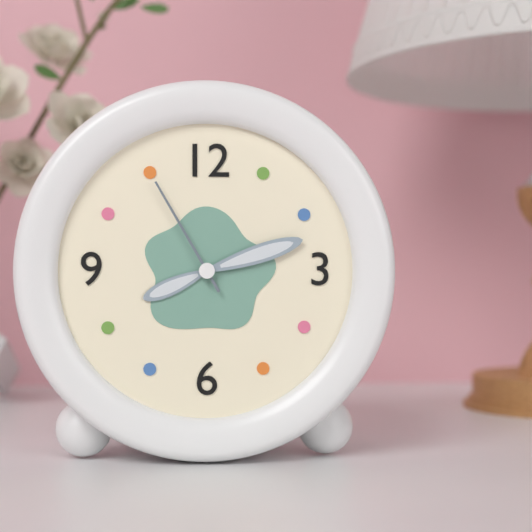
8:12:55
